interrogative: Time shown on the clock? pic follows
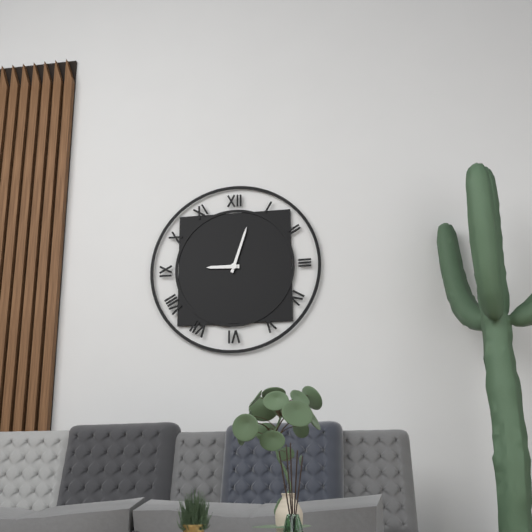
9:03
